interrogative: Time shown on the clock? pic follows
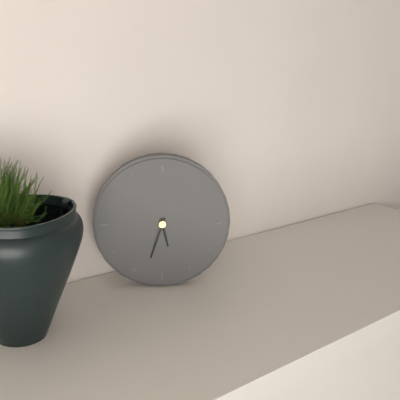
5:33
